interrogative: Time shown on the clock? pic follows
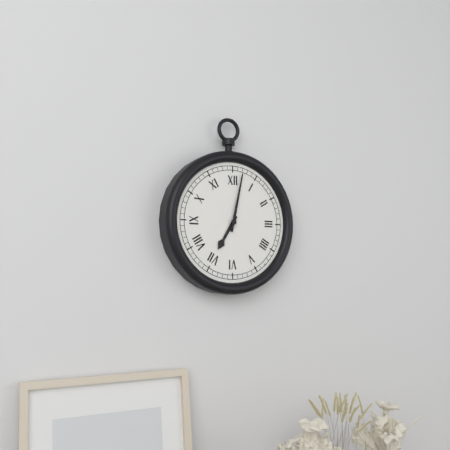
7:02
